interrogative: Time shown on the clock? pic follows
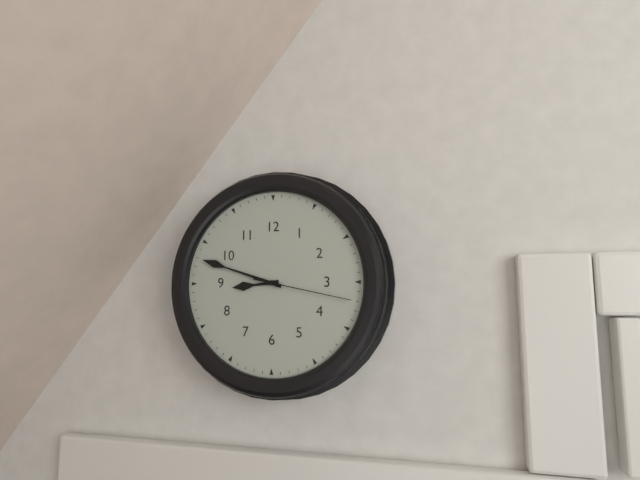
8:48:17
